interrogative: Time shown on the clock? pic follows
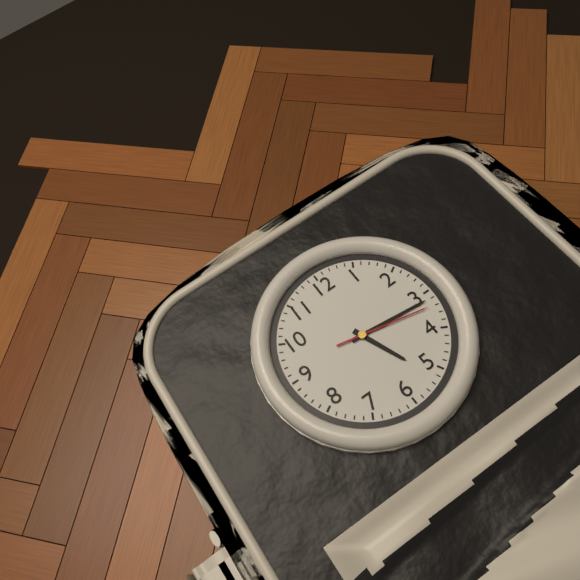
5:16:17
